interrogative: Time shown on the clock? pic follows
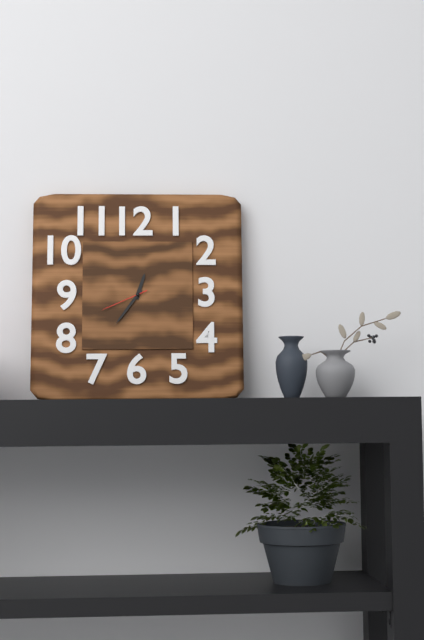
12:36
